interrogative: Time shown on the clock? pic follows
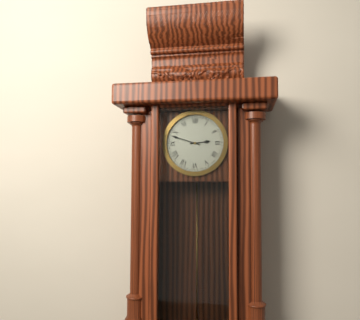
2:48
